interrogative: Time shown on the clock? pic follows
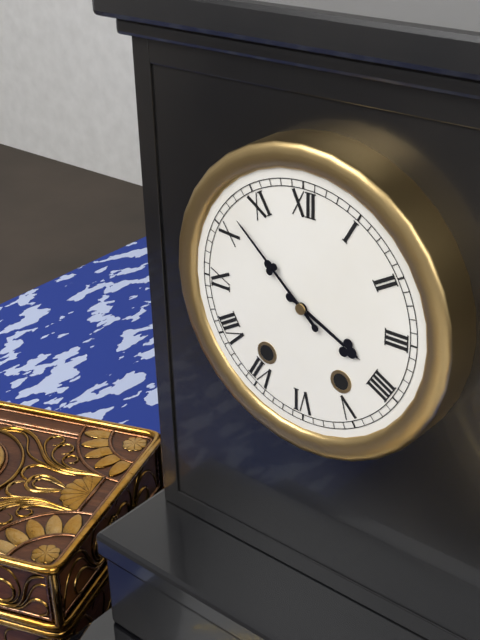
3:52
